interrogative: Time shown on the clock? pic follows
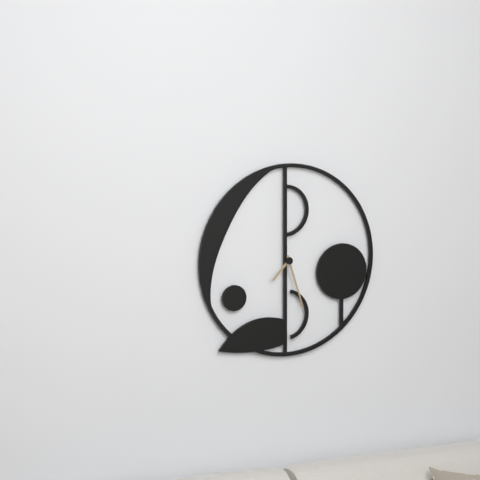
7:27
